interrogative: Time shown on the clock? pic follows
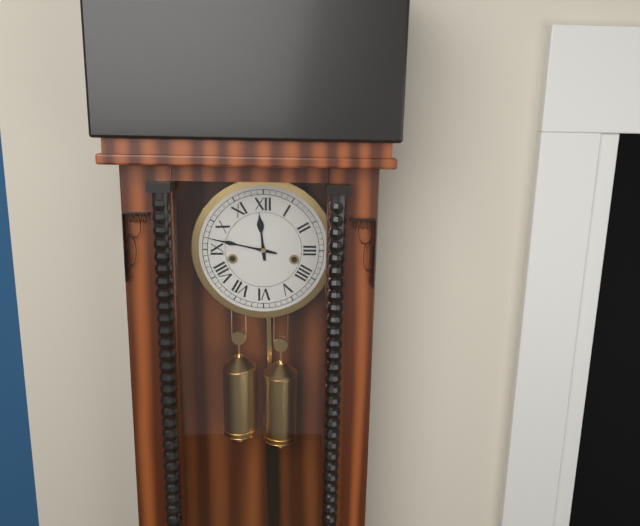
11:47
